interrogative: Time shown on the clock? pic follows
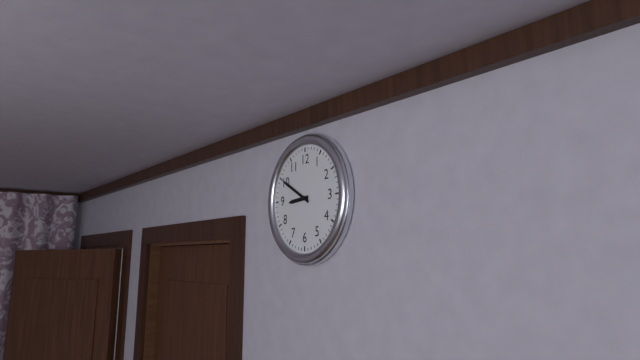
8:50
